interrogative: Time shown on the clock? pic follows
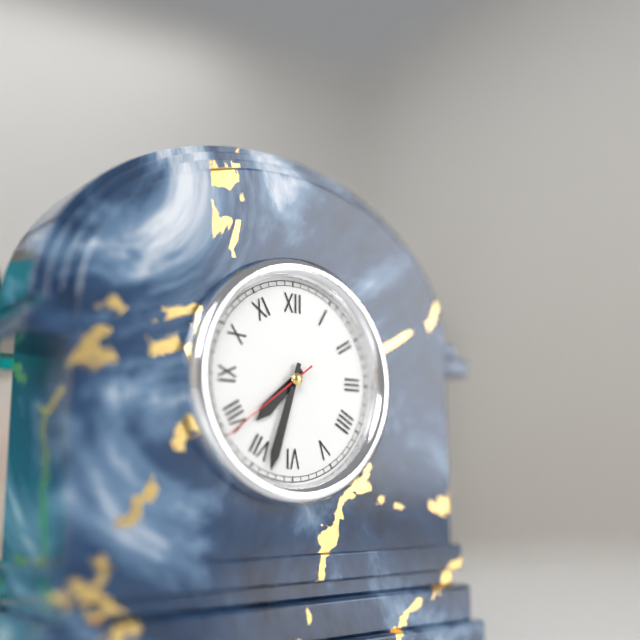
7:33:39
